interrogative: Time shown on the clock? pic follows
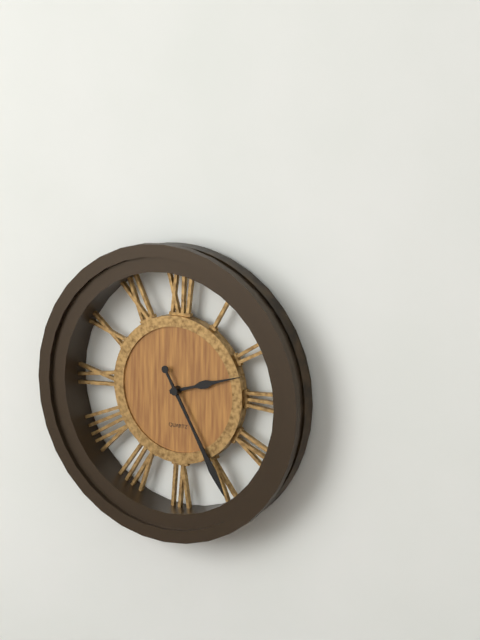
2:25
